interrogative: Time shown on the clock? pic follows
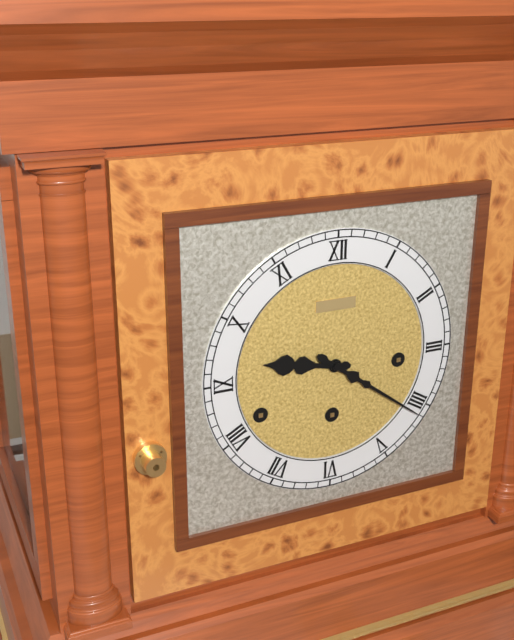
9:21
